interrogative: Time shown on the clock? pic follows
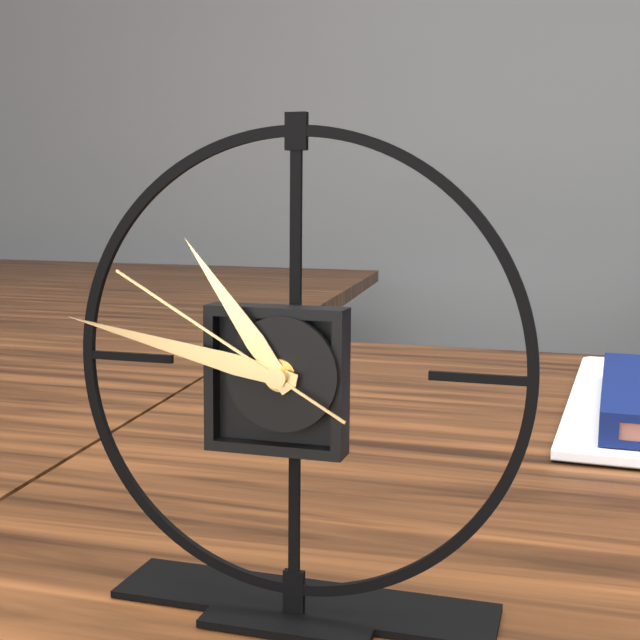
10:47:50
